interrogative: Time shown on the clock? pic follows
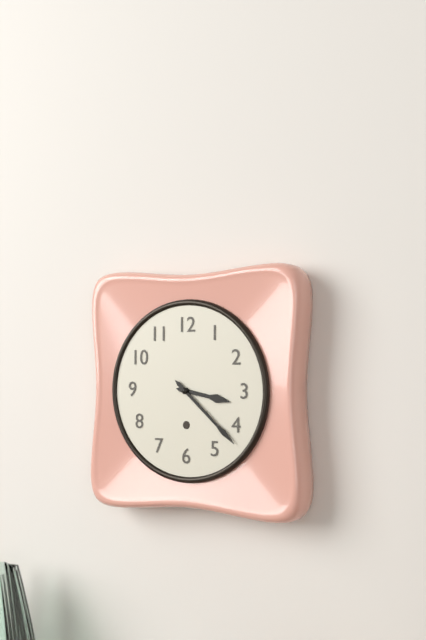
3:22
